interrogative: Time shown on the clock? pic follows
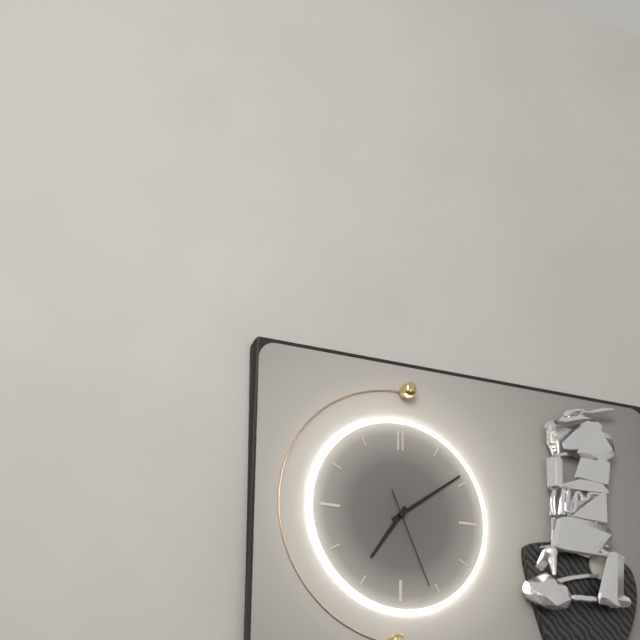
7:09:26
